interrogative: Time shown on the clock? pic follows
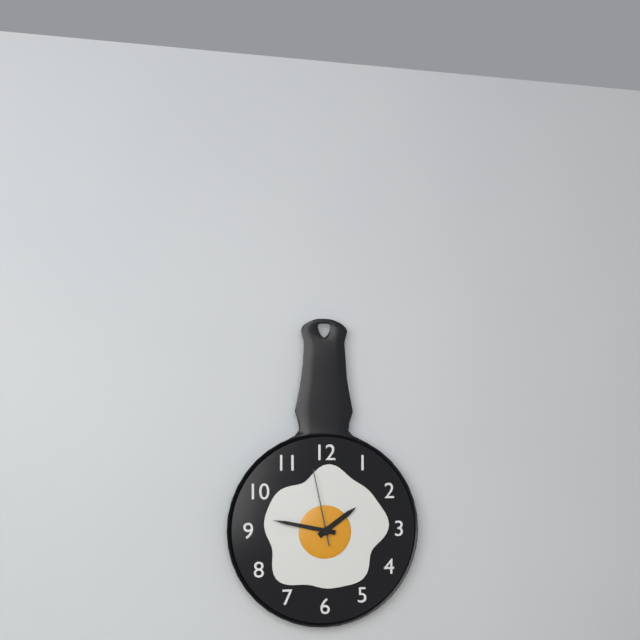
1:47:58
